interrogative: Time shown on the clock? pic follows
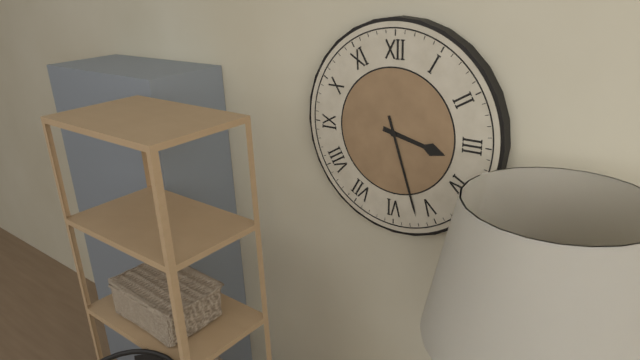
3:27
